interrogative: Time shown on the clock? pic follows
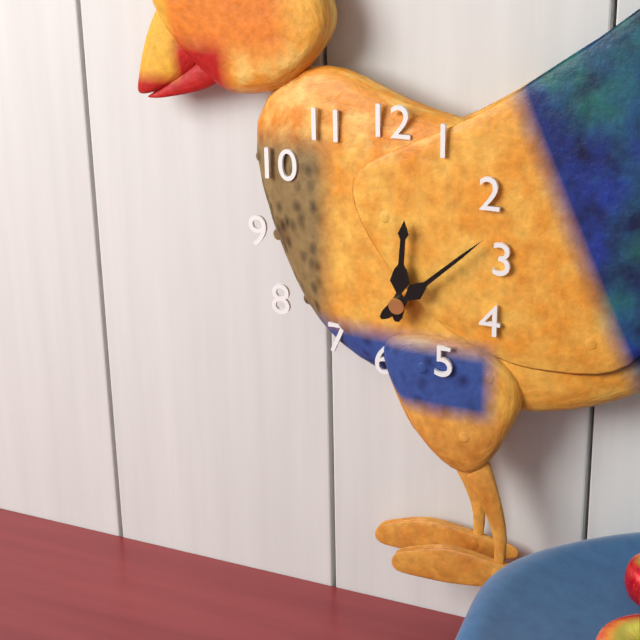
12:08
